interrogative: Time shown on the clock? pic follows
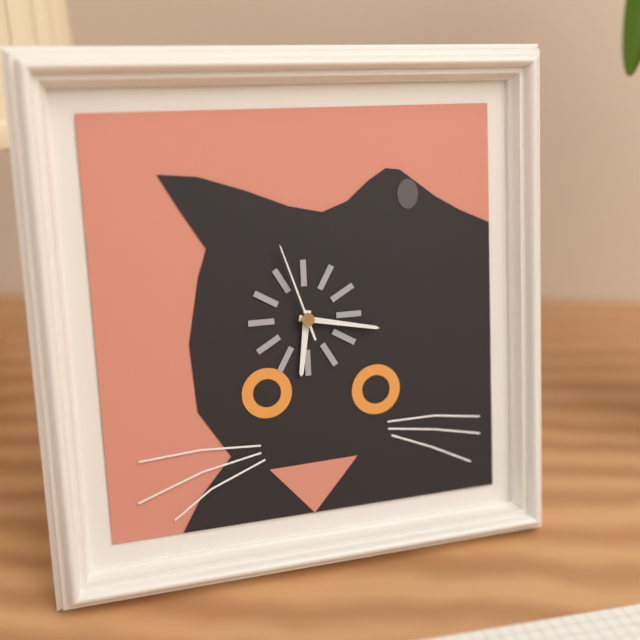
6:17:57
